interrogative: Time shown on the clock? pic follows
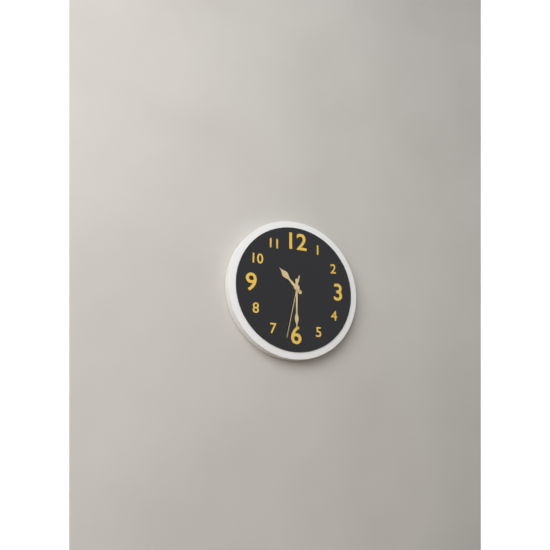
10:30:32
